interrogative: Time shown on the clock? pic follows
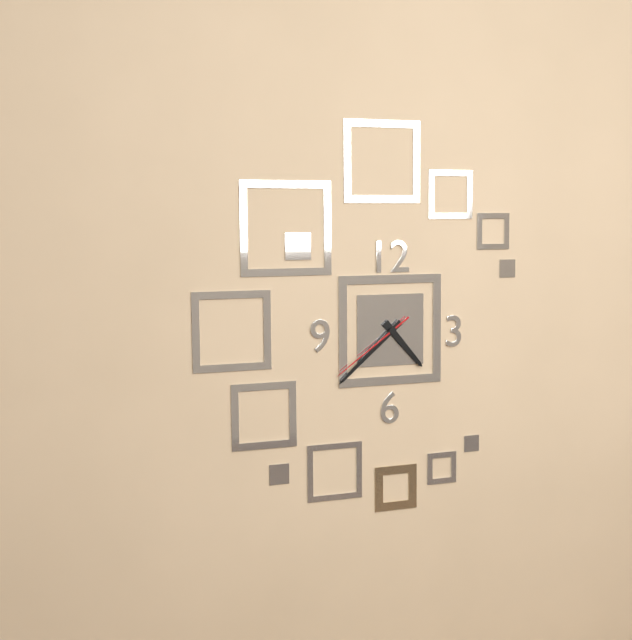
4:38:39
